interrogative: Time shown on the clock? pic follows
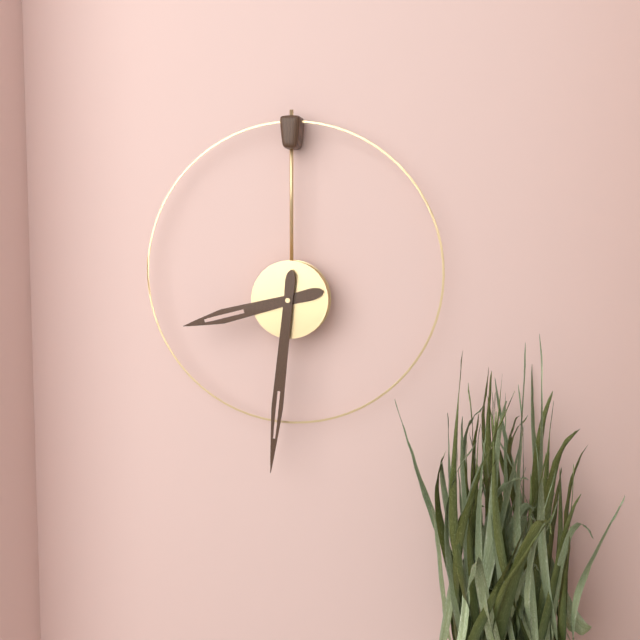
8:31
